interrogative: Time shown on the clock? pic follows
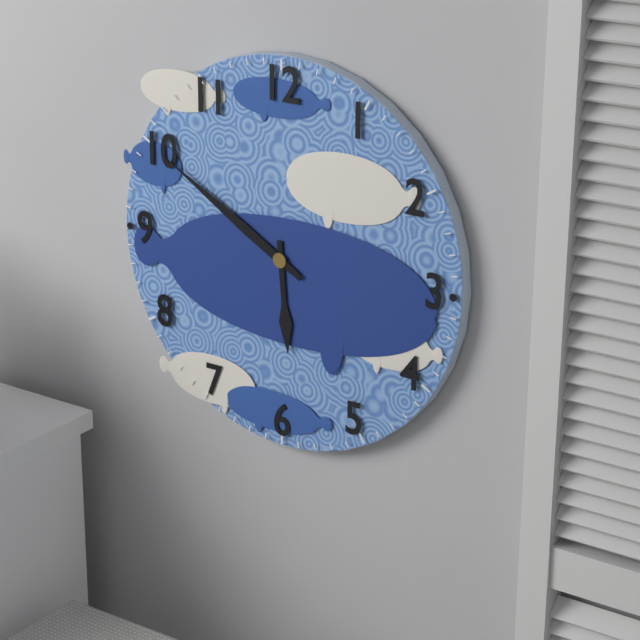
5:50
